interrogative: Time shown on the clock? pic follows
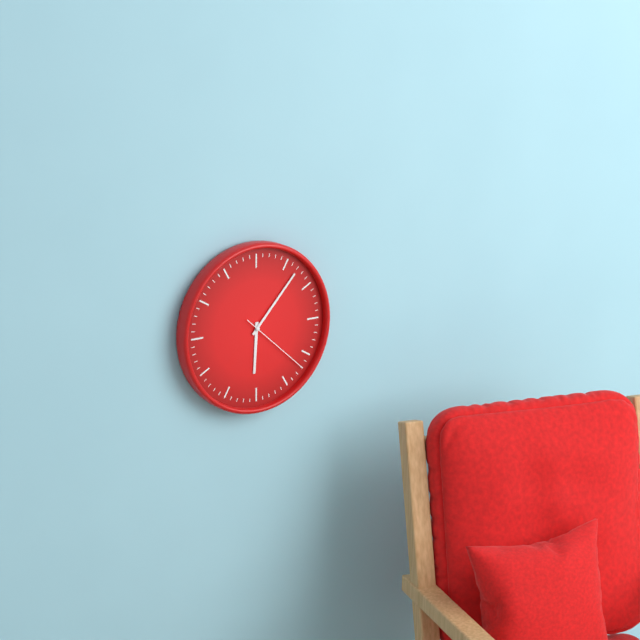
6:07:22
